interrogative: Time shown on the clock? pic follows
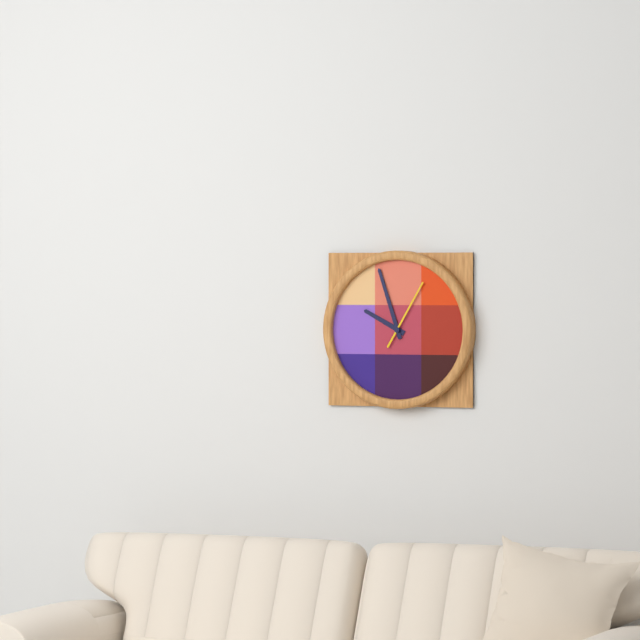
9:57:05
